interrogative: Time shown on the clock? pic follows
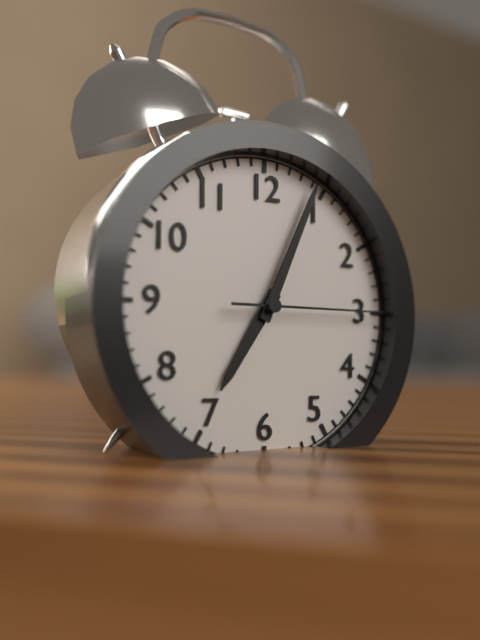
7:04:15
